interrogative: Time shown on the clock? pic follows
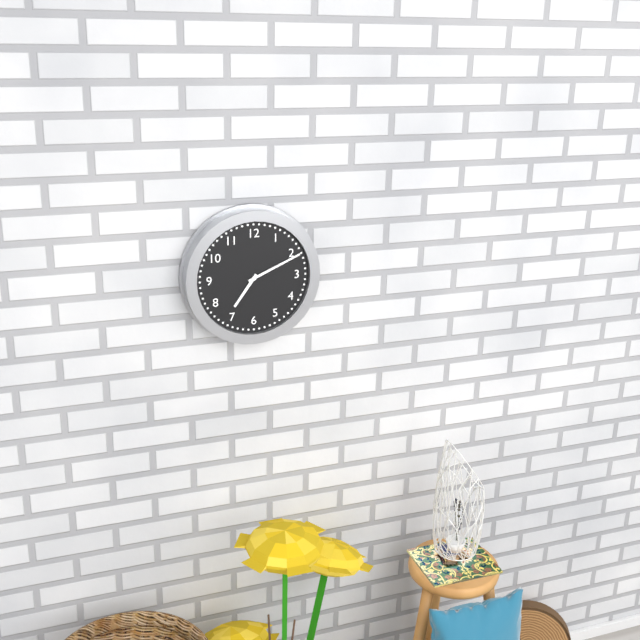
7:11
